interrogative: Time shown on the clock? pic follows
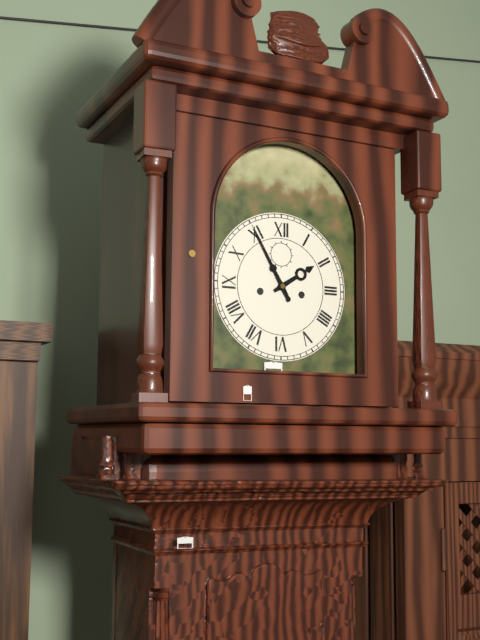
1:55
